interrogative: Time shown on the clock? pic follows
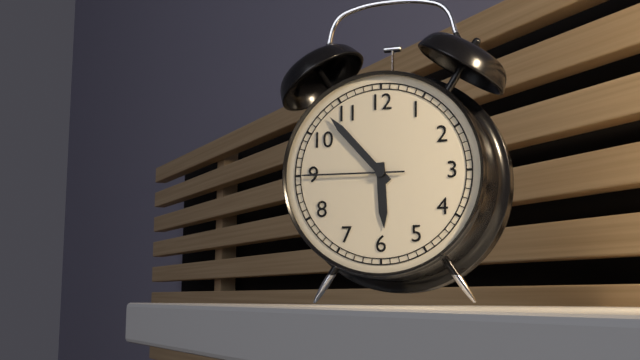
5:53:45
